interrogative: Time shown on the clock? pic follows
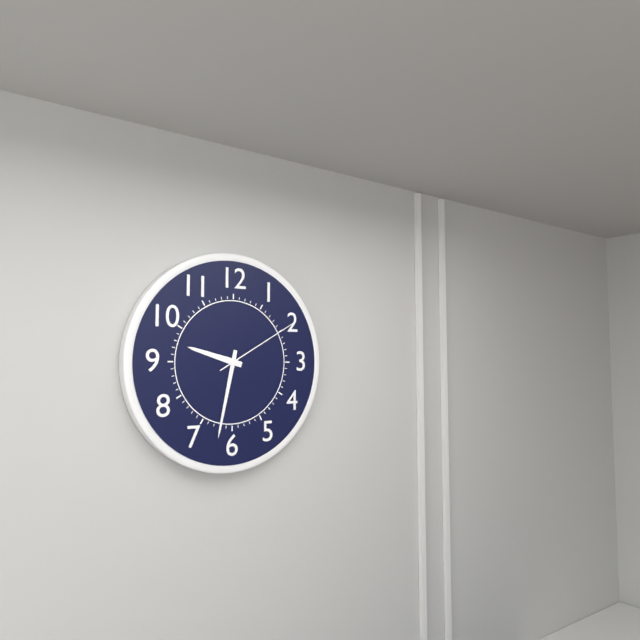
9:32:10
